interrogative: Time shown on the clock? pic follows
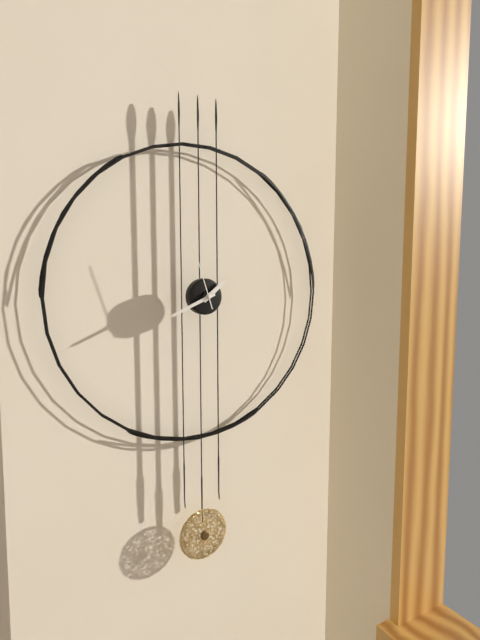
1:41:57
